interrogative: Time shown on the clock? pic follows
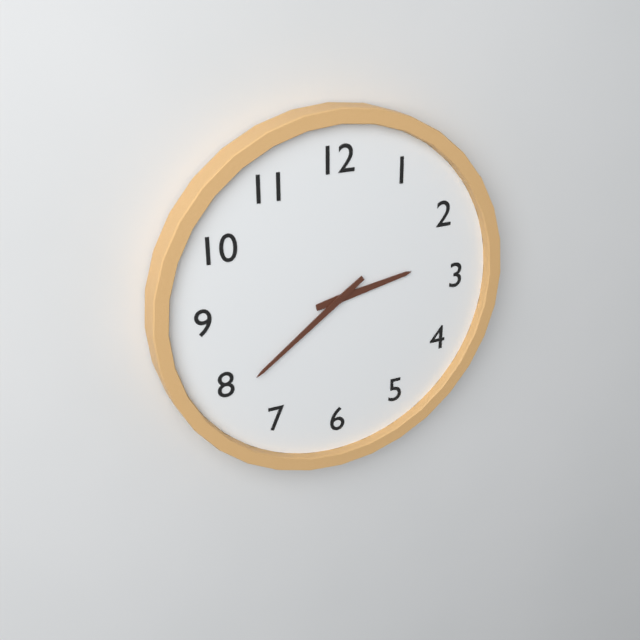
2:39
